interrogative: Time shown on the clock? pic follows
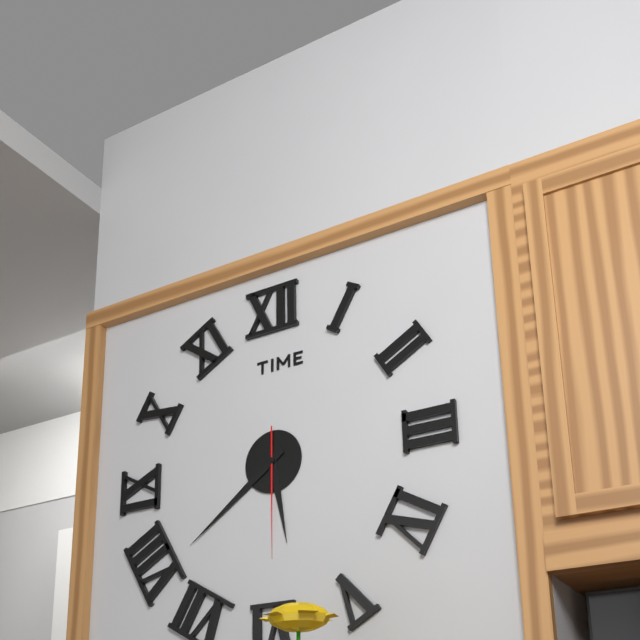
5:39:30
